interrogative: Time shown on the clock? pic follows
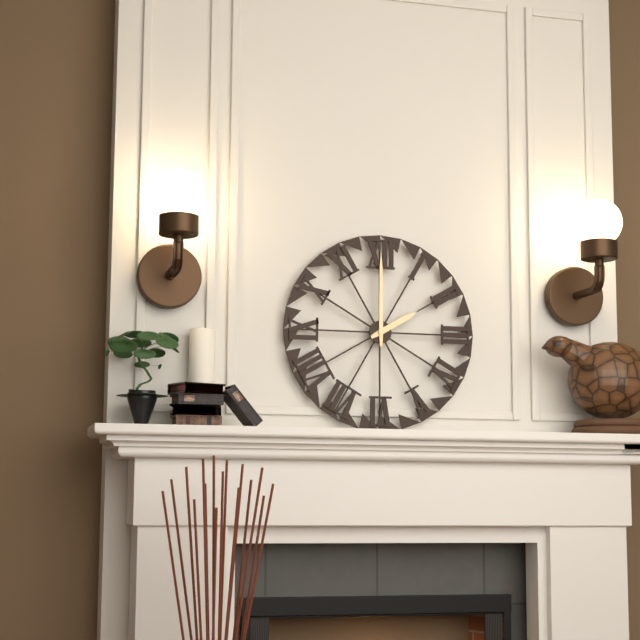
2:00
